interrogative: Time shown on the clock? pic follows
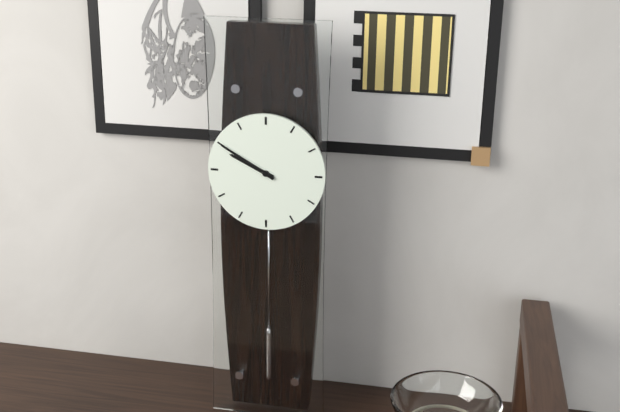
9:50
